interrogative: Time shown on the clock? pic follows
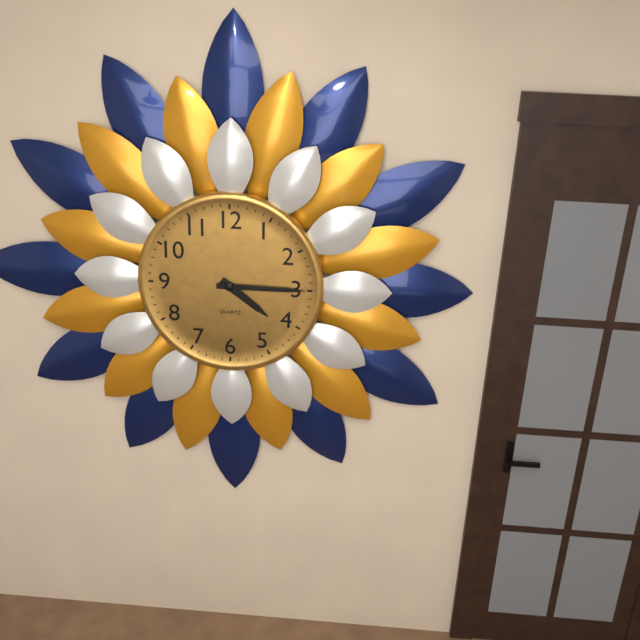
4:15
